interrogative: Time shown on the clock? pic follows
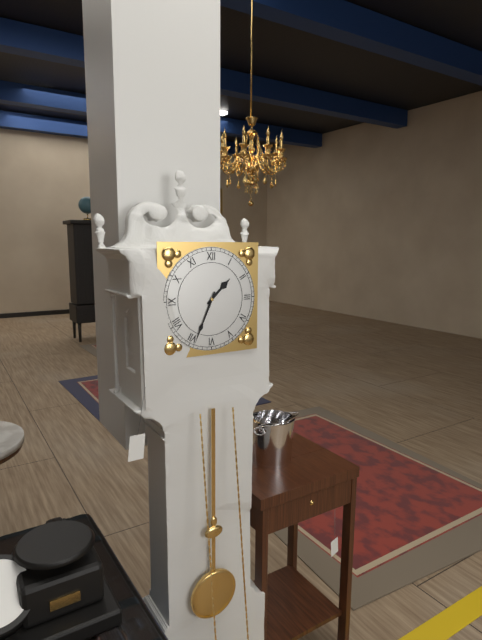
1:34
